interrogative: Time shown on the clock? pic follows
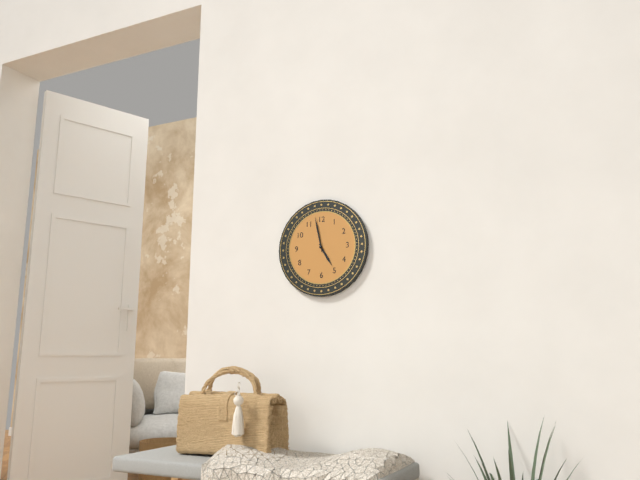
4:58
